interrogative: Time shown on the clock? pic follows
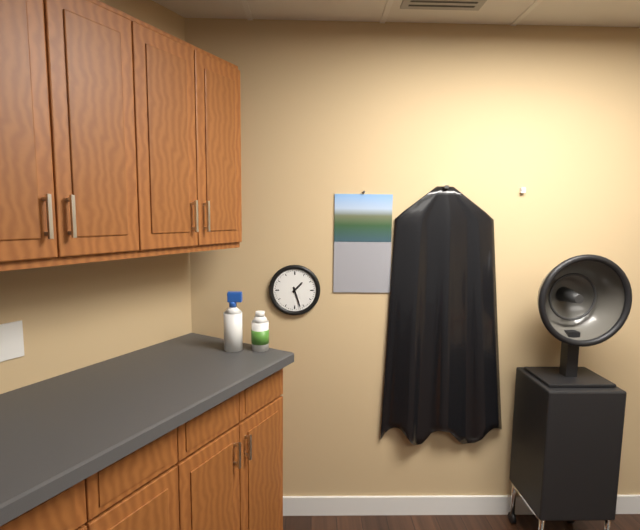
1:27
